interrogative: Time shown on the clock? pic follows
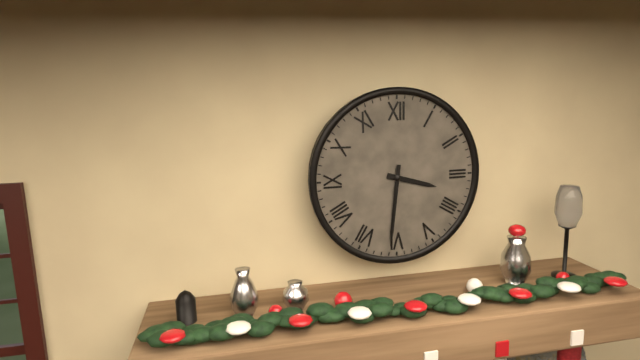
3:31
